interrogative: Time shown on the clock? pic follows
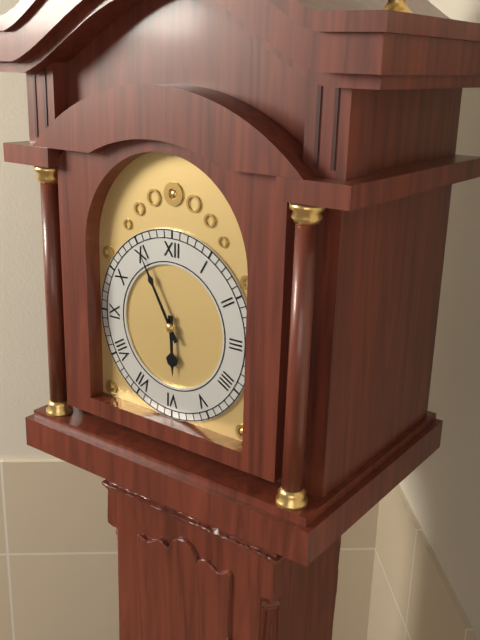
5:55
